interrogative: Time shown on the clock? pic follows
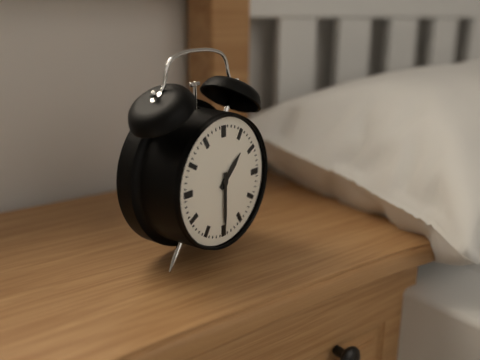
1:30
